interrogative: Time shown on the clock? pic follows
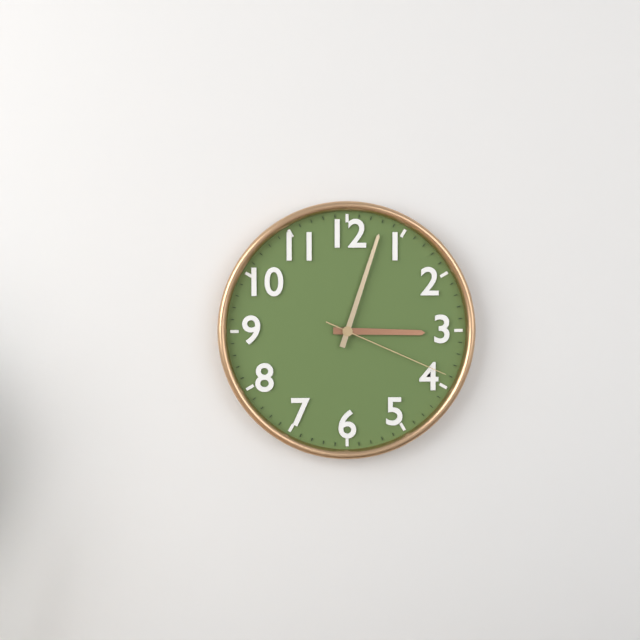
3:03:19
